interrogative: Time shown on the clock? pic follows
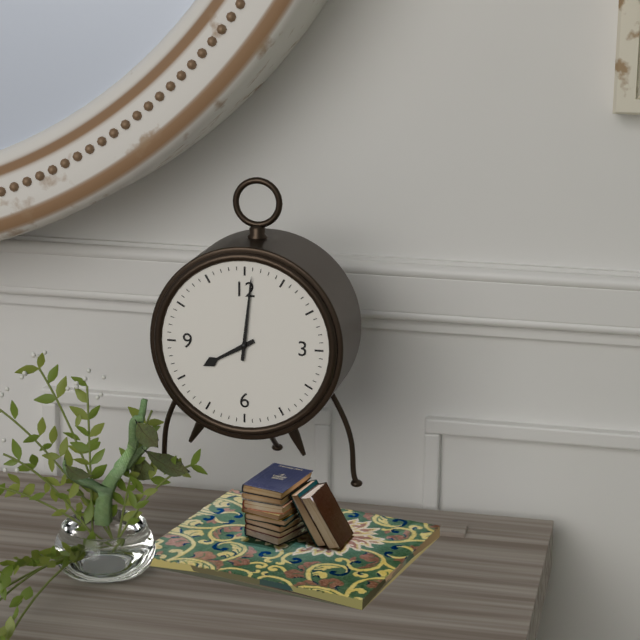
8:01
